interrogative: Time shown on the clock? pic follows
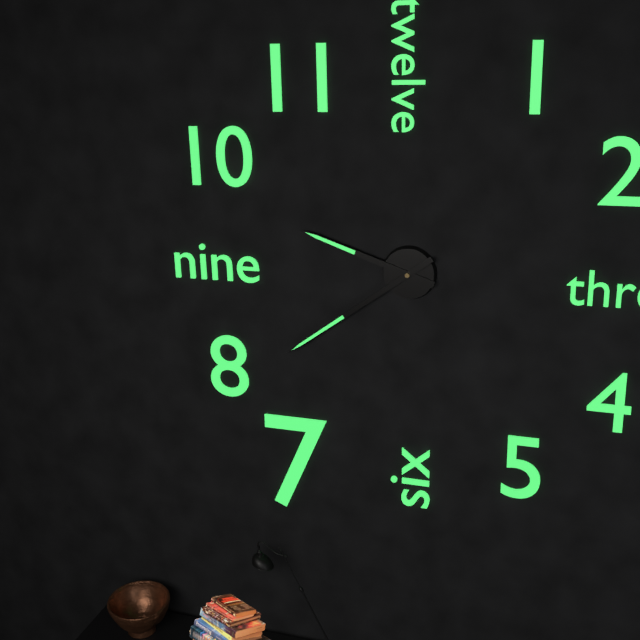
9:39
